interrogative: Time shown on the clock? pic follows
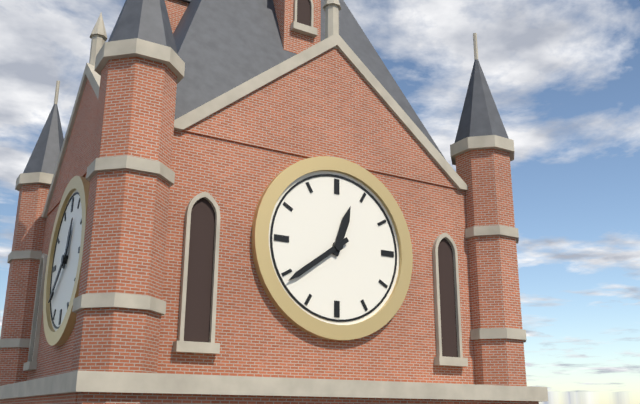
12:39
